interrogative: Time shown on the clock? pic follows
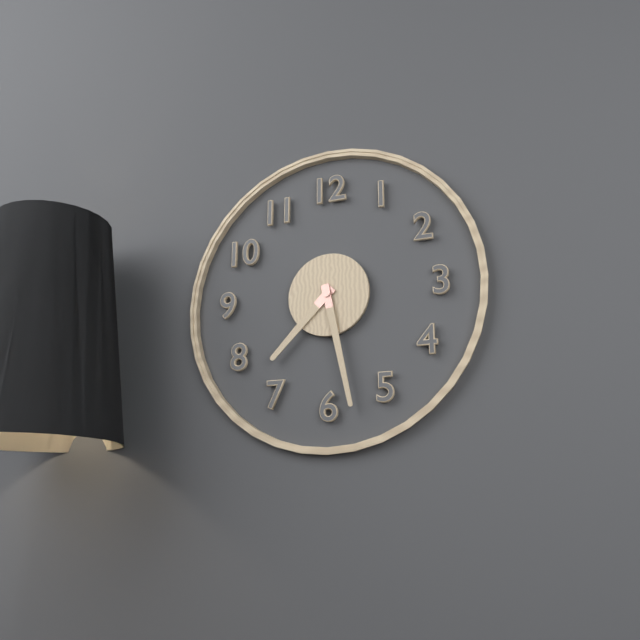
7:28
